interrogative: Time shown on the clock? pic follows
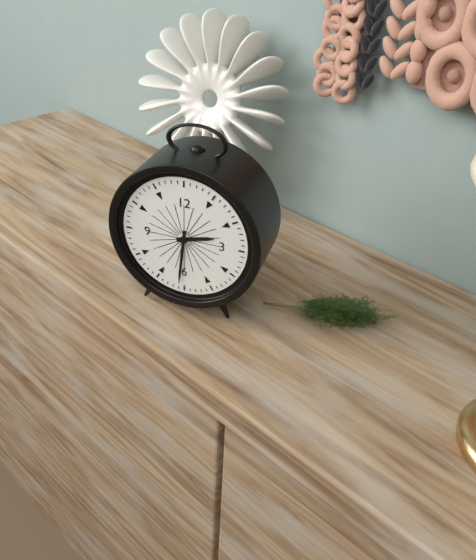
2:31
